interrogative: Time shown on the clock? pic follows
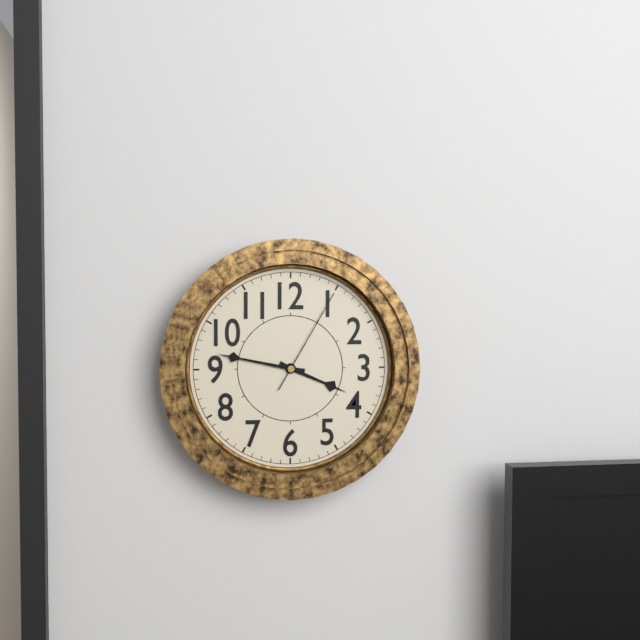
3:47:05
